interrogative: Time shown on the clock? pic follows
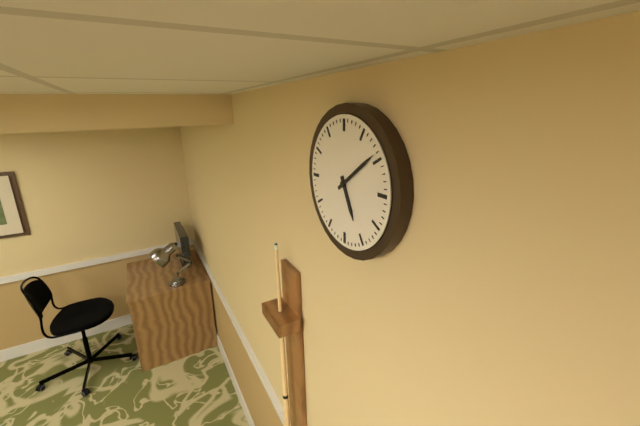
5:09
